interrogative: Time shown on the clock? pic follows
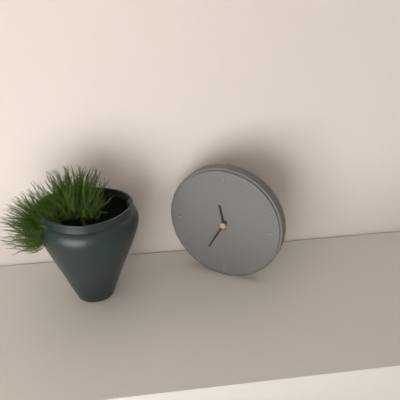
11:35
